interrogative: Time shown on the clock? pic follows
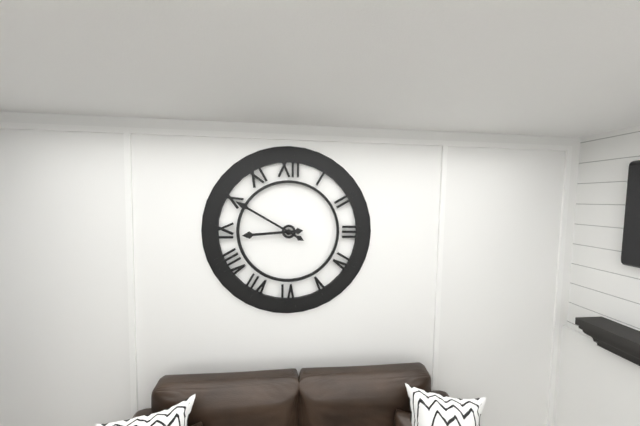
8:50
